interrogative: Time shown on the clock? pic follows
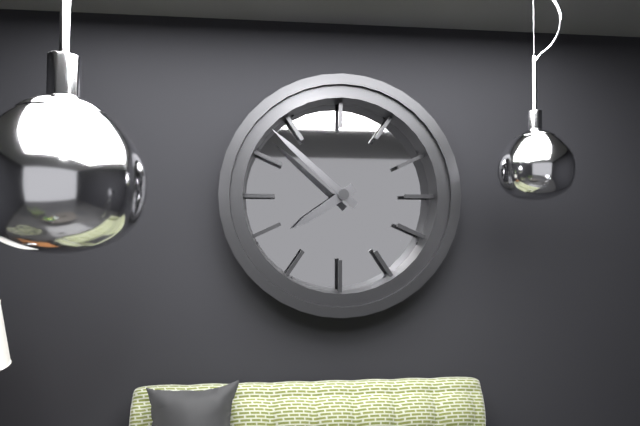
7:52
